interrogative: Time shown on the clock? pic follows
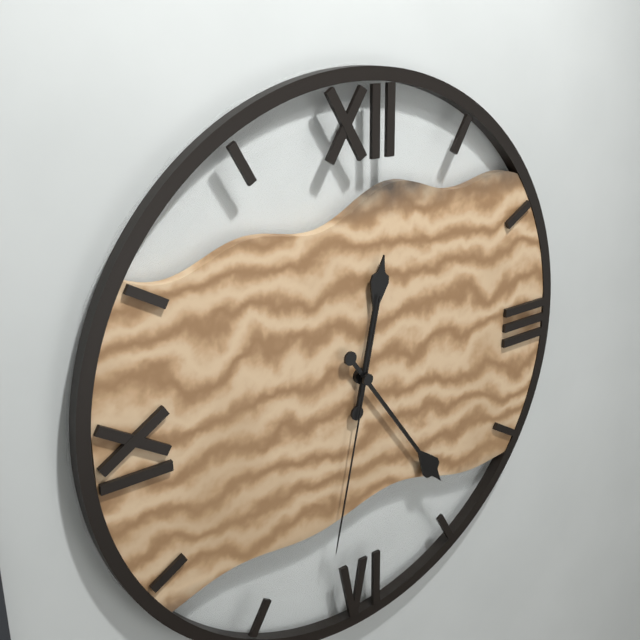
12:24:32
